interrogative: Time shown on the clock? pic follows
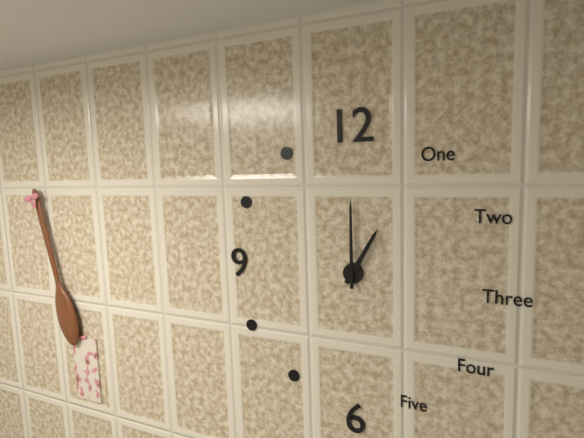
1:00
